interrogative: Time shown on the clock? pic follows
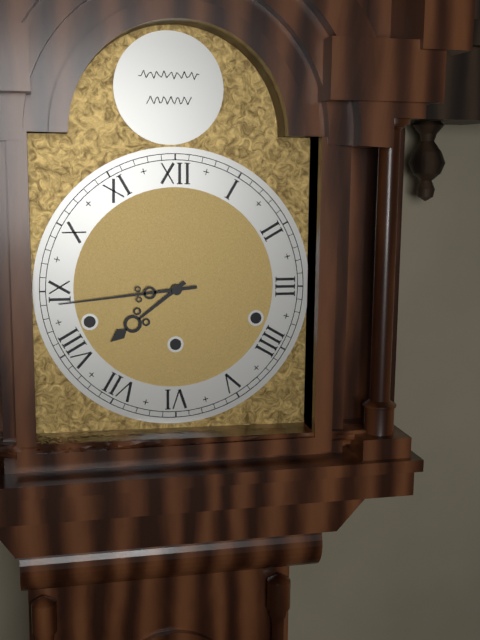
7:44
